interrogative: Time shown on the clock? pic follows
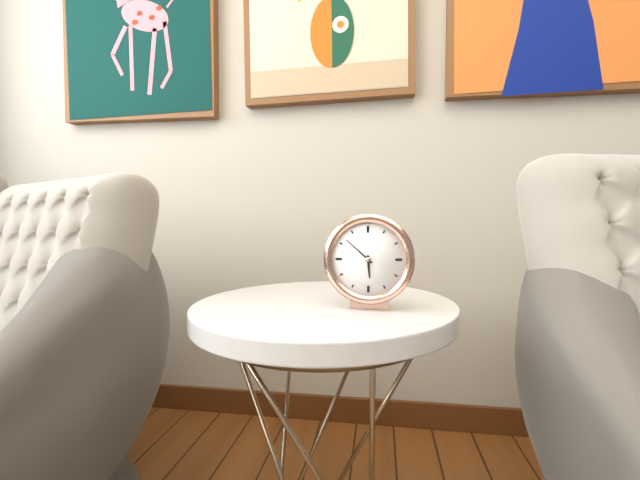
5:52
